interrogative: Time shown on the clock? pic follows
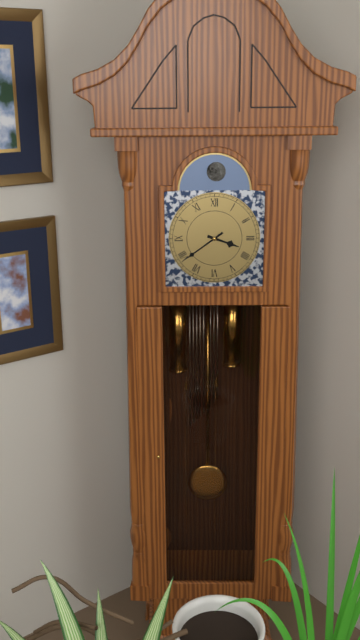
3:39
